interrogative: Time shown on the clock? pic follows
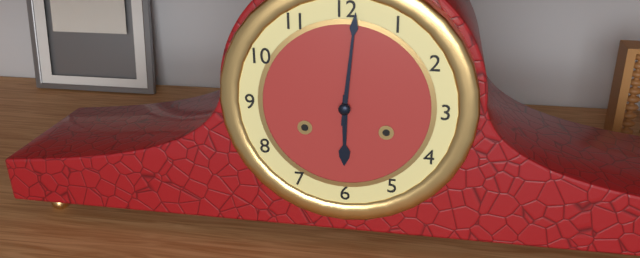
6:01
